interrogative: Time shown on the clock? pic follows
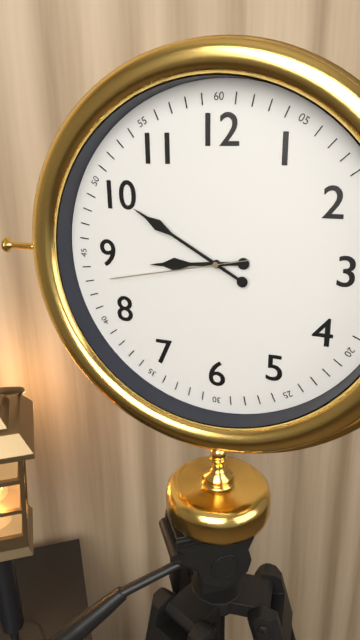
8:50:43
